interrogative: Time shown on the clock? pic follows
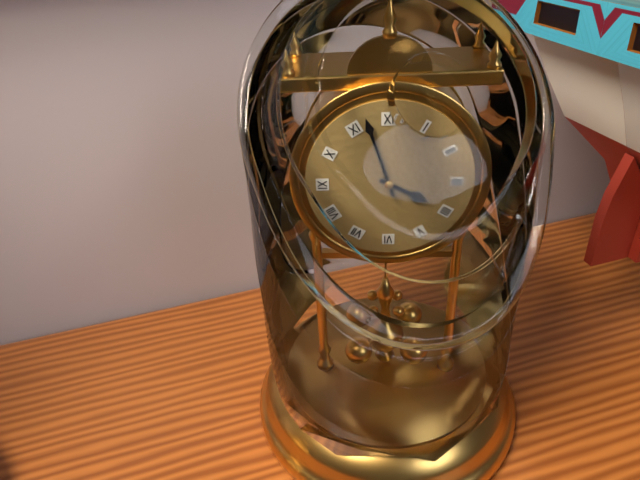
3:57
